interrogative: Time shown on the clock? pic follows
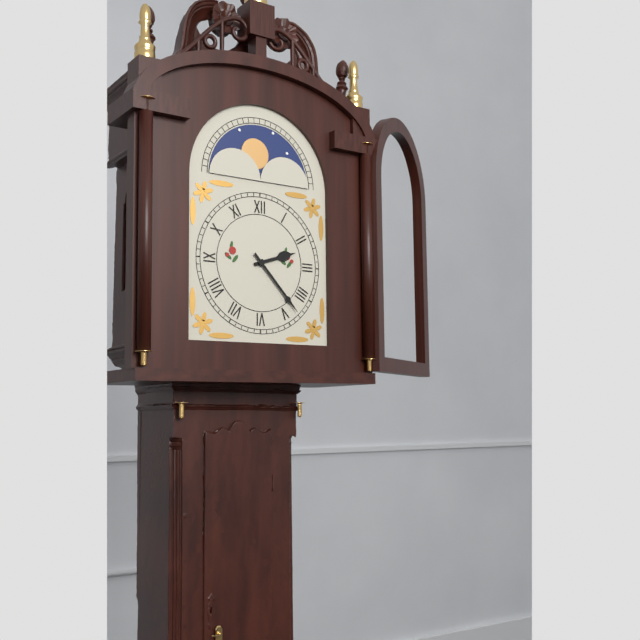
2:23
